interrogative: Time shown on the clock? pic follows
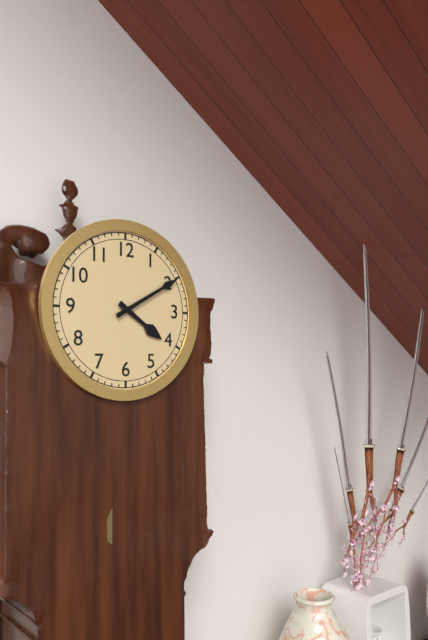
4:10
